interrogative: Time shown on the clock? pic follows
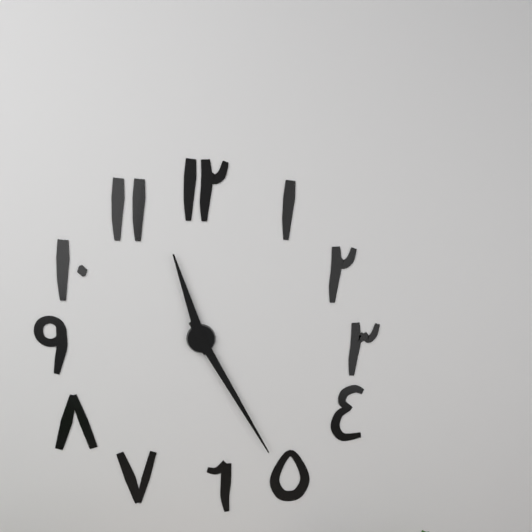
11:25
